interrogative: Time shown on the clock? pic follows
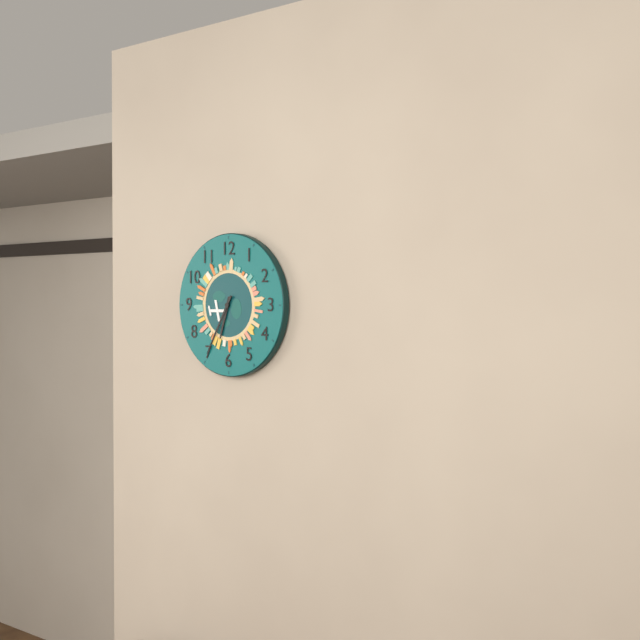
6:35
